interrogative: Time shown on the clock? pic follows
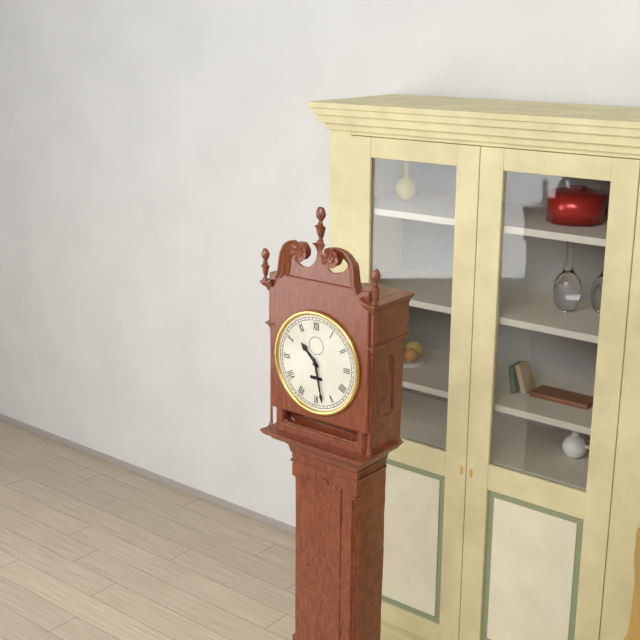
10:28
